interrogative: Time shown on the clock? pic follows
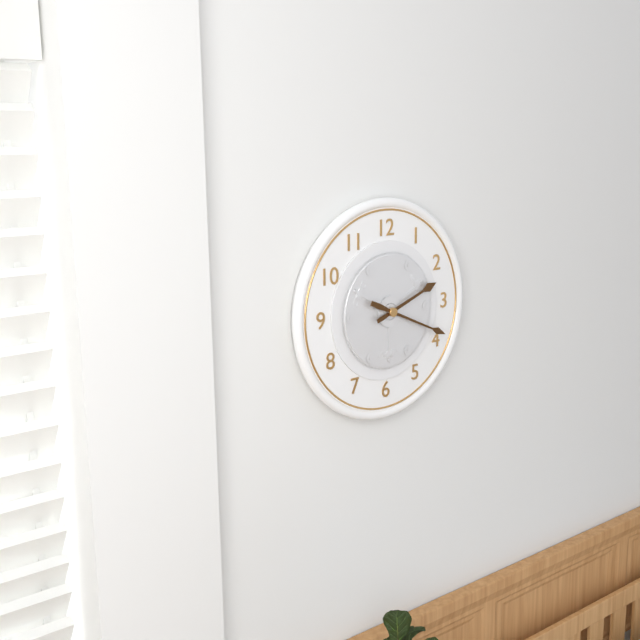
2:19
